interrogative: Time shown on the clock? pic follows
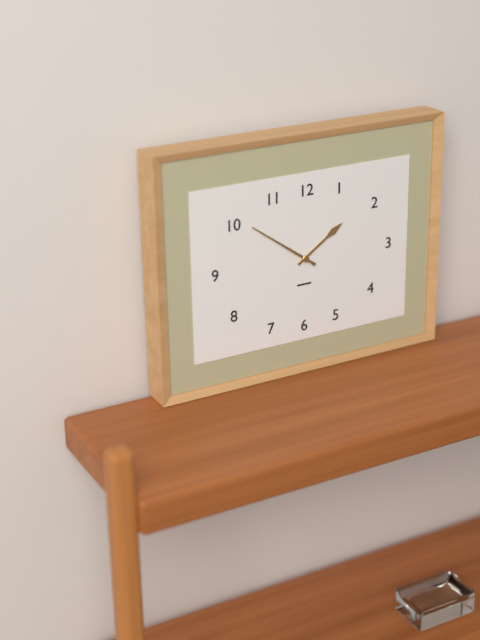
1:51
